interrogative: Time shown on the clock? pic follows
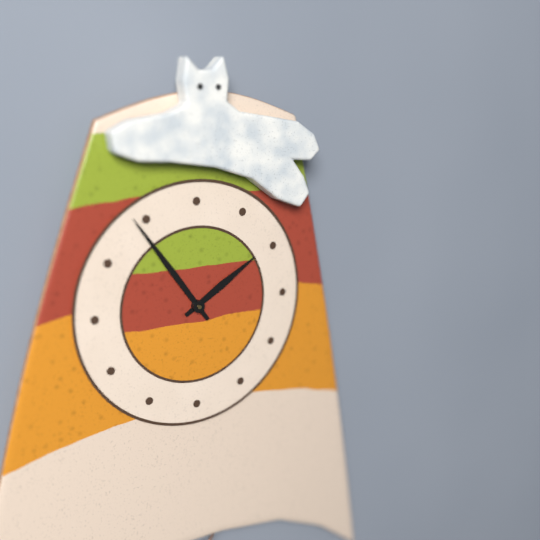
1:54
